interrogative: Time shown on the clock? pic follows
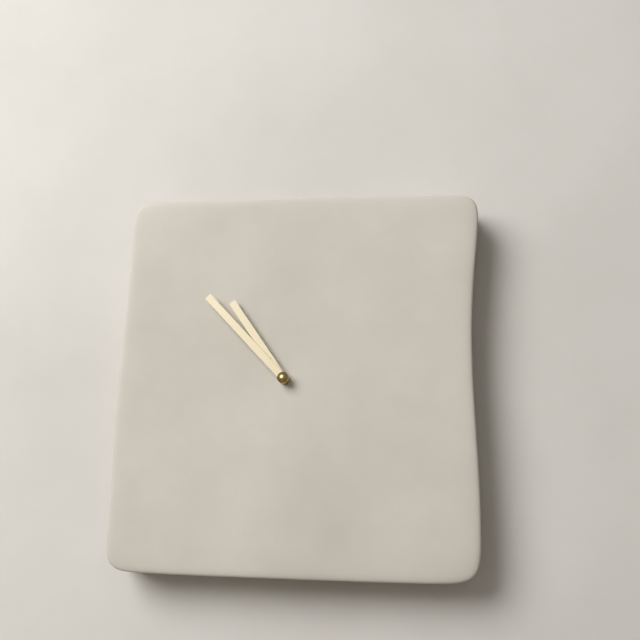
10:53
